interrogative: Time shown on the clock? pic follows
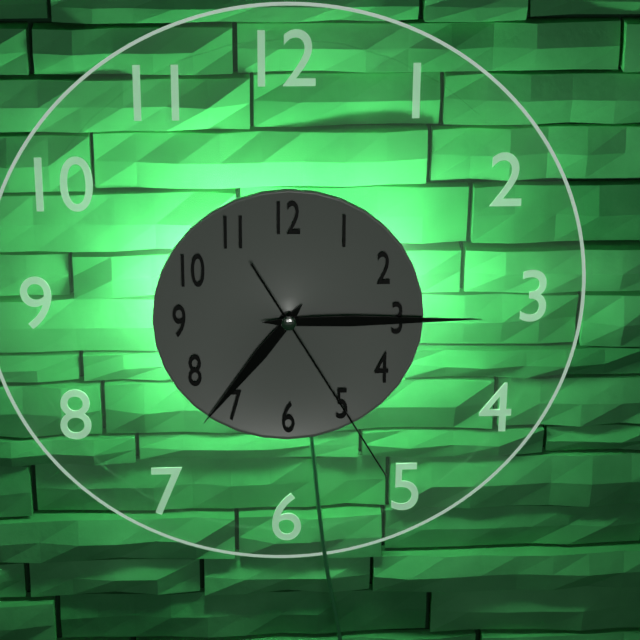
7:15:25
